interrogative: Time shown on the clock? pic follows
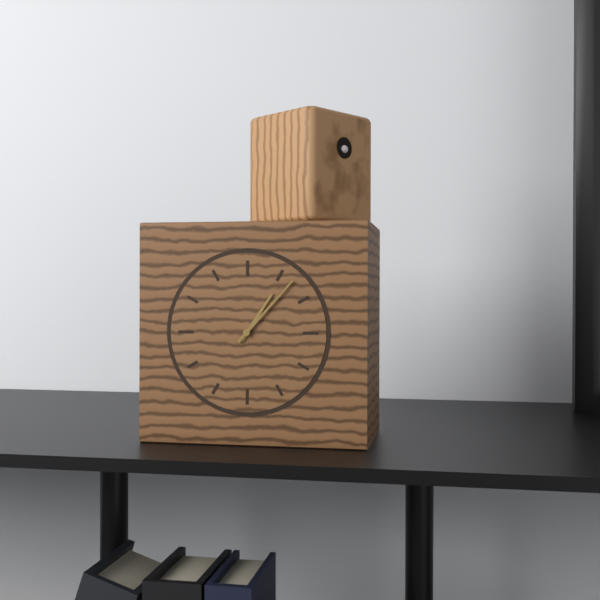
1:07
